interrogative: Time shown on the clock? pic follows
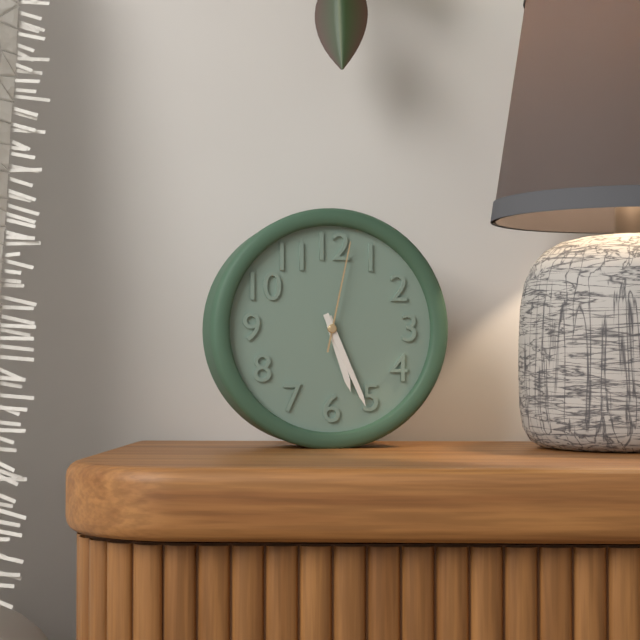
5:26:02
